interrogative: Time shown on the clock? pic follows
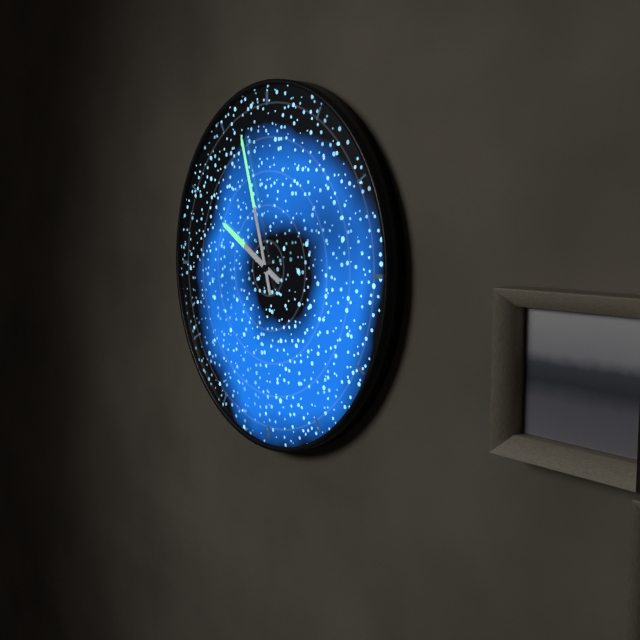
9:57
